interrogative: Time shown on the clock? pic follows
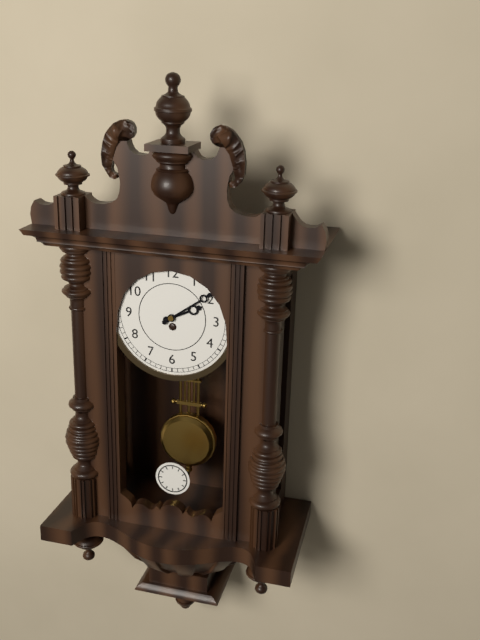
2:09
